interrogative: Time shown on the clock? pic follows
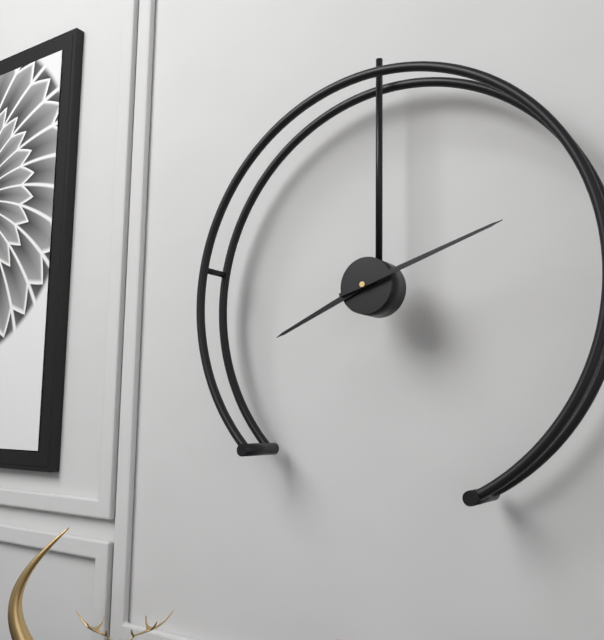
8:12
